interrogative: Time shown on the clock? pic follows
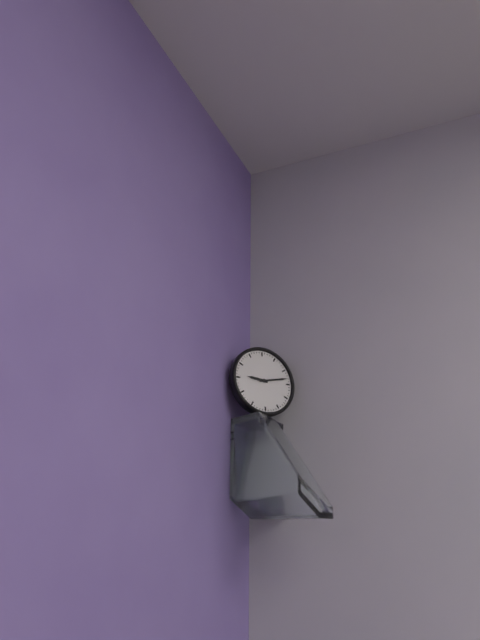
9:13
